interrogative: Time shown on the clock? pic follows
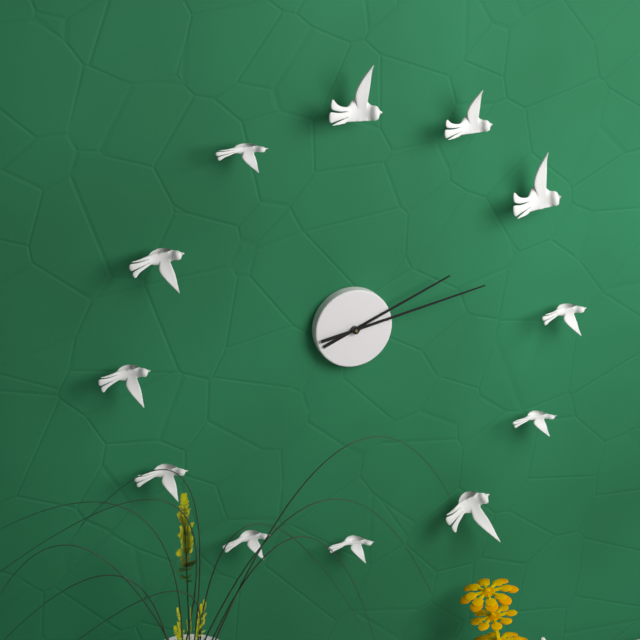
2:13
